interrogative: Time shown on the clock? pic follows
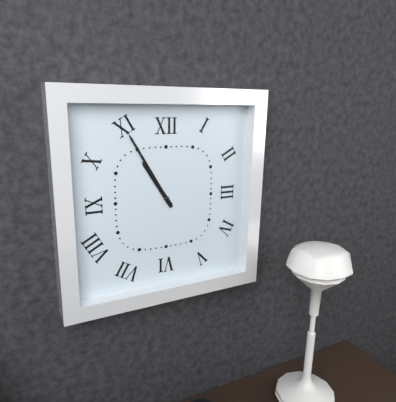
10:55
